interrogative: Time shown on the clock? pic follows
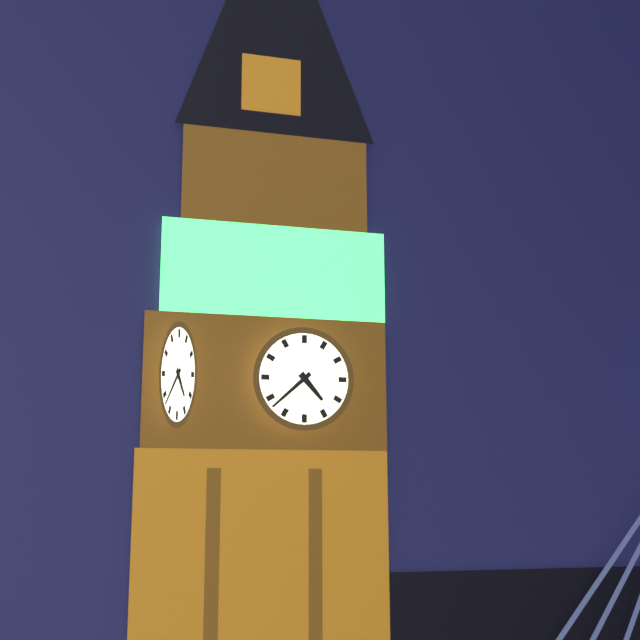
4:38
